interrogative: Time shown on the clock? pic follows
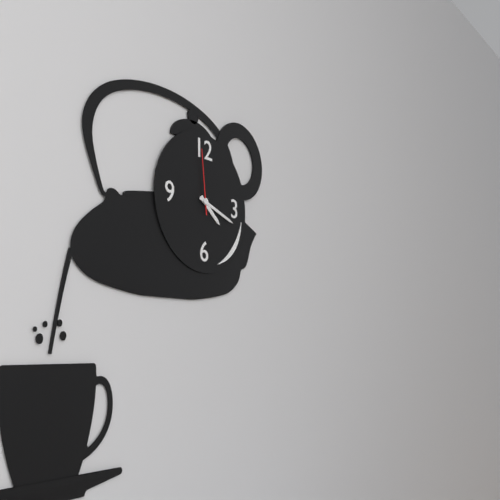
4:18:59
